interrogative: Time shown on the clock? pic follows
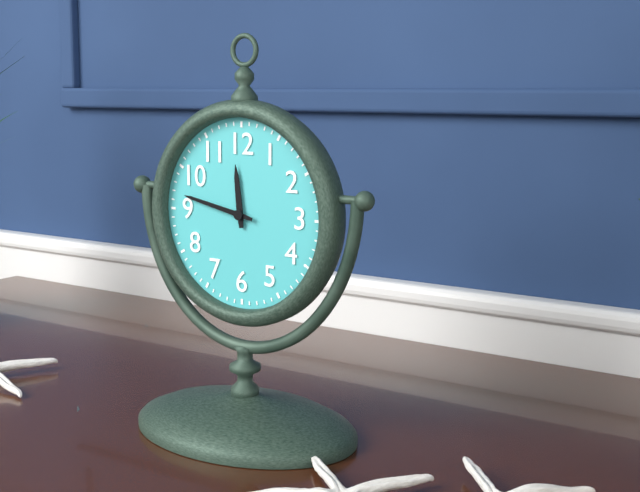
11:47
